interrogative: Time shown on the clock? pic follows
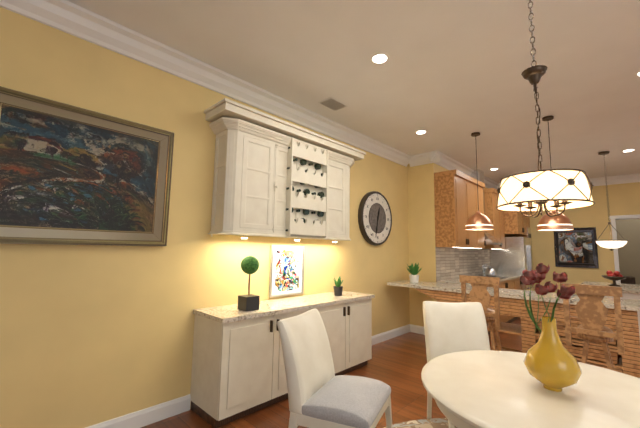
12:32
